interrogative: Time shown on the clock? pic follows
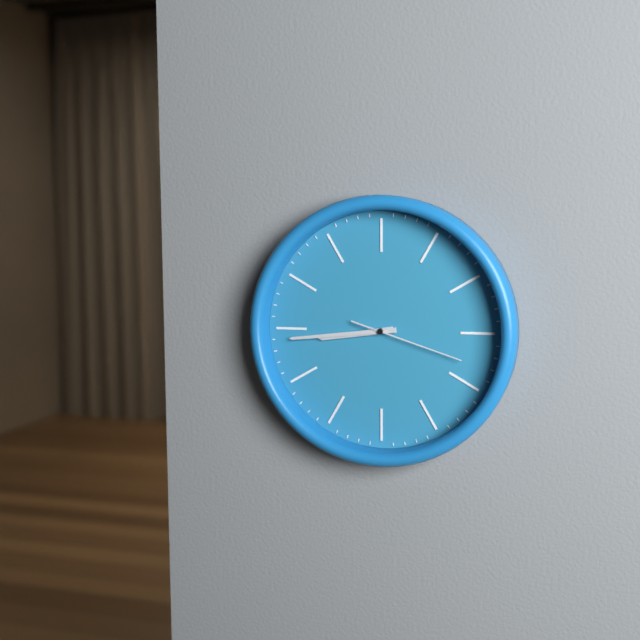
8:44:18
